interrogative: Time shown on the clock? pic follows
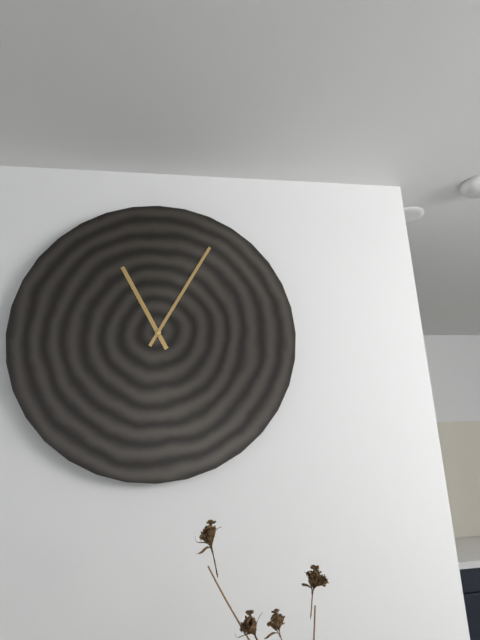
11:05
